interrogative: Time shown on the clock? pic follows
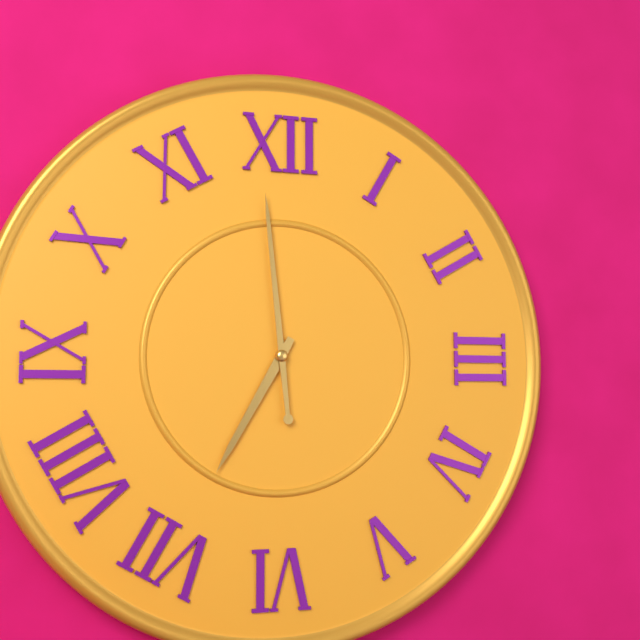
6:59
